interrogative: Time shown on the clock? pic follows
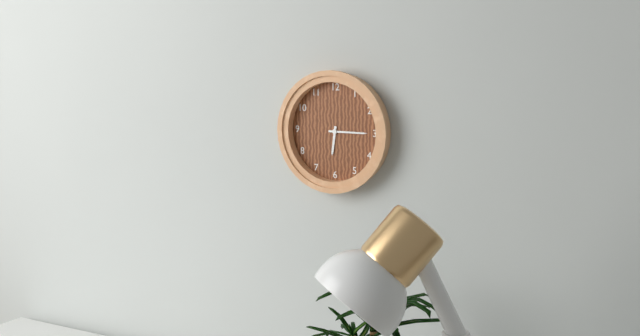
6:15
